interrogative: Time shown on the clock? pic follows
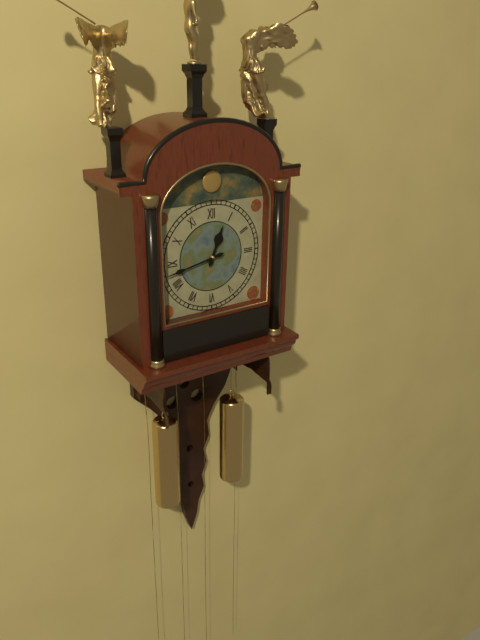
12:43
